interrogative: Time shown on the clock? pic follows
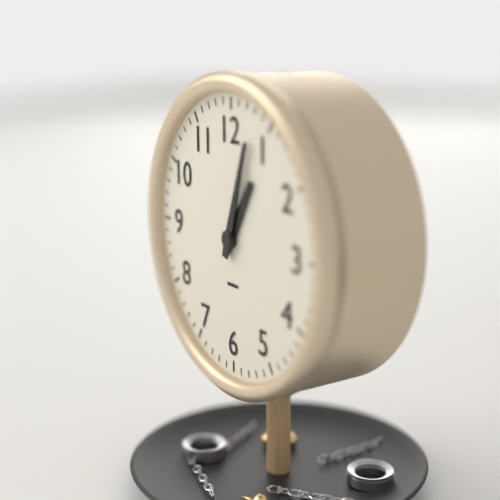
1:03
